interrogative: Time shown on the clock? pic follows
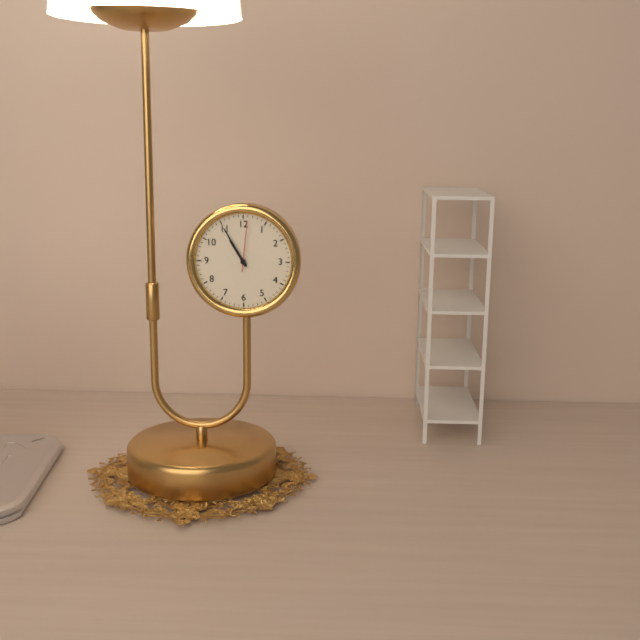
10:55
